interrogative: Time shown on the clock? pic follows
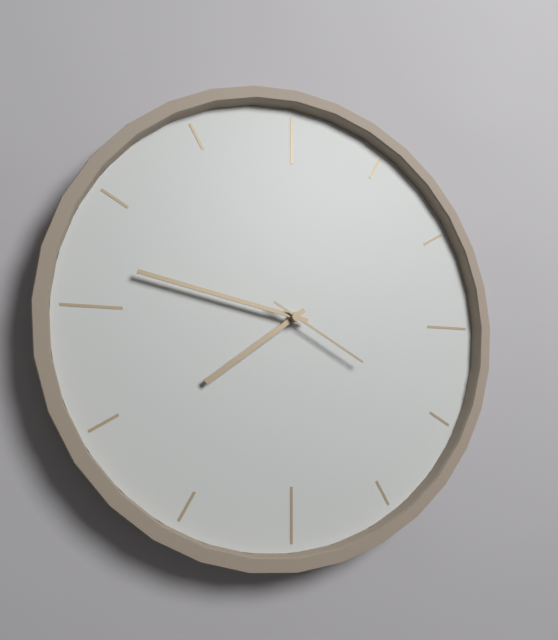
7:47:20
